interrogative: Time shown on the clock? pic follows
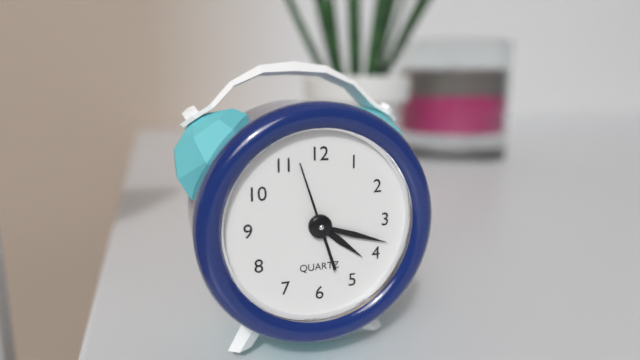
4:18:57
